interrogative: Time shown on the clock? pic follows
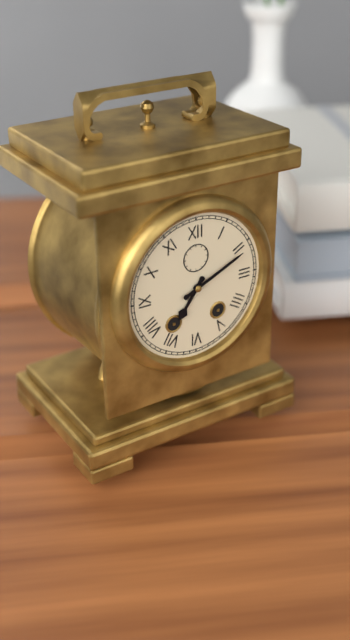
7:11
